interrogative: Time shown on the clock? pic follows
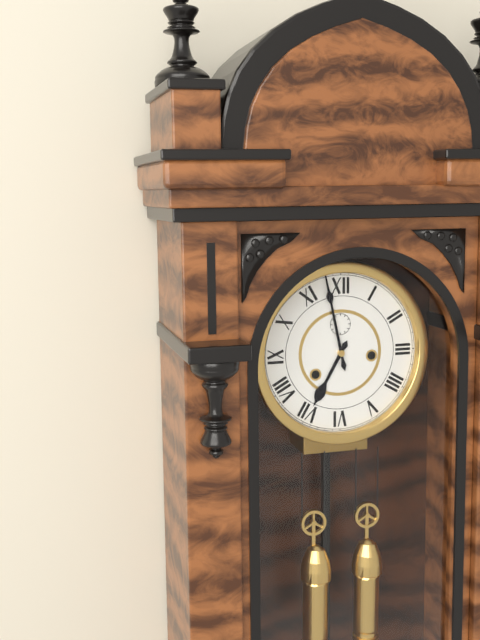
6:58
